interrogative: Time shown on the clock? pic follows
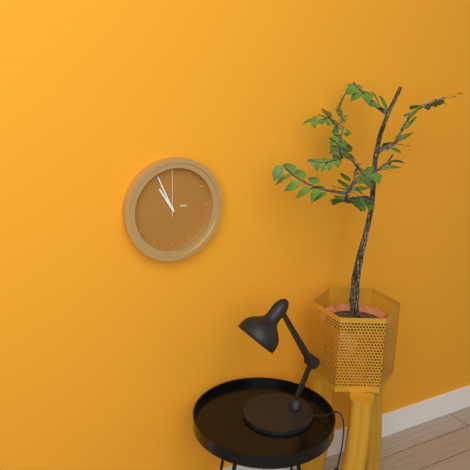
10:56
